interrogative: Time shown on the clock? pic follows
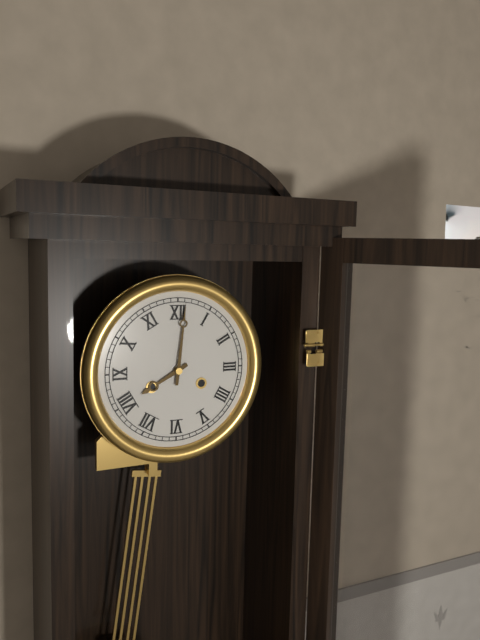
8:01
